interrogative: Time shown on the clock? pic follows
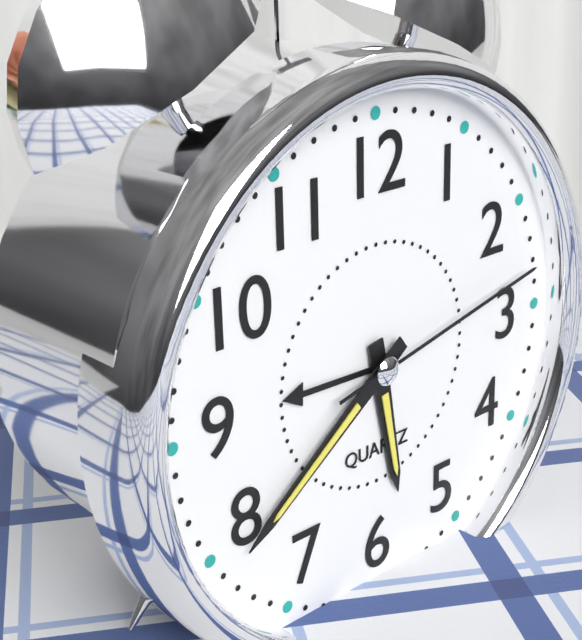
5:39:13
